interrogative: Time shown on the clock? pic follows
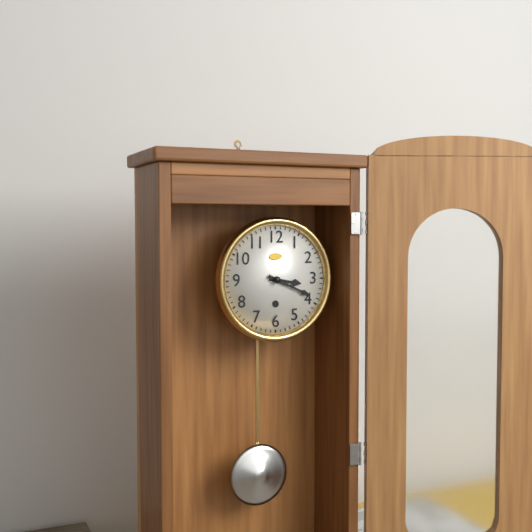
3:19
